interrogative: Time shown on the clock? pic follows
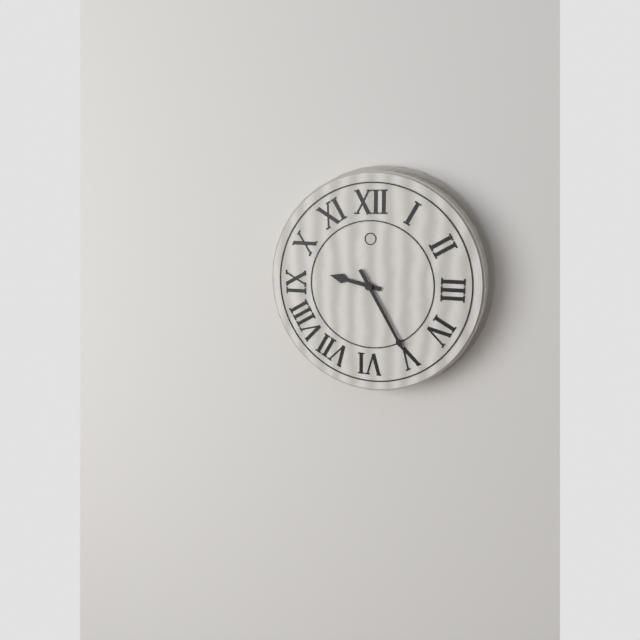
9:25
